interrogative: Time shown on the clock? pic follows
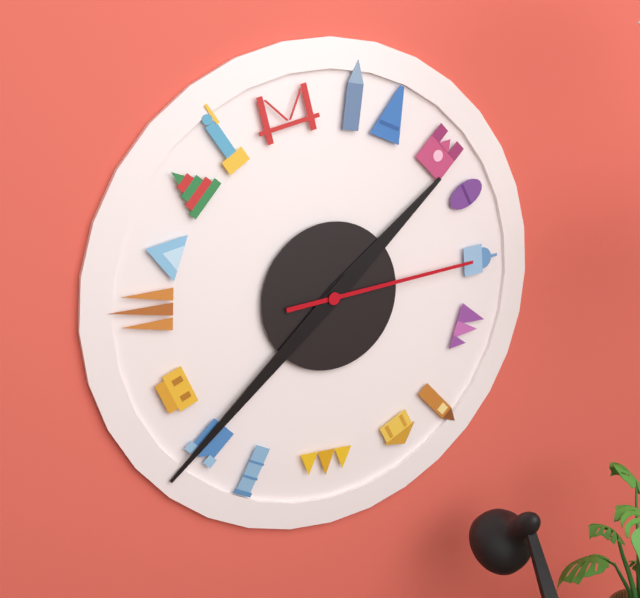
1:38:14
